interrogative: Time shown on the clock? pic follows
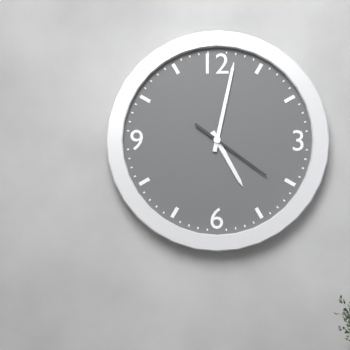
5:02:21
